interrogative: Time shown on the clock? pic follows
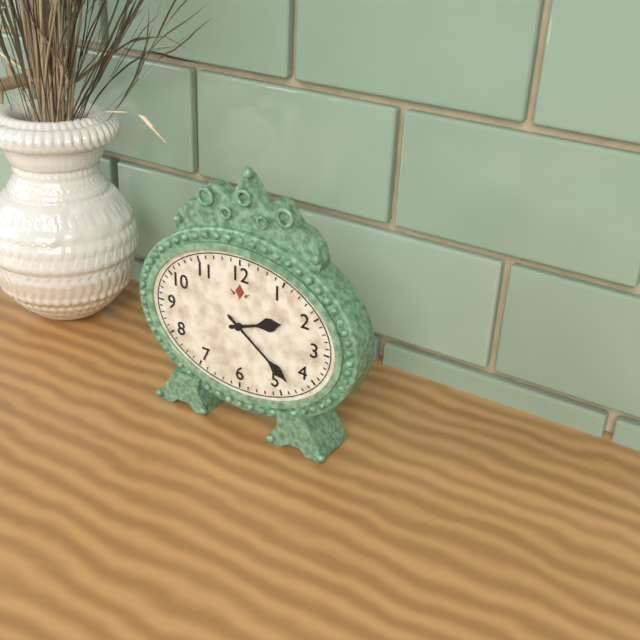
2:21
